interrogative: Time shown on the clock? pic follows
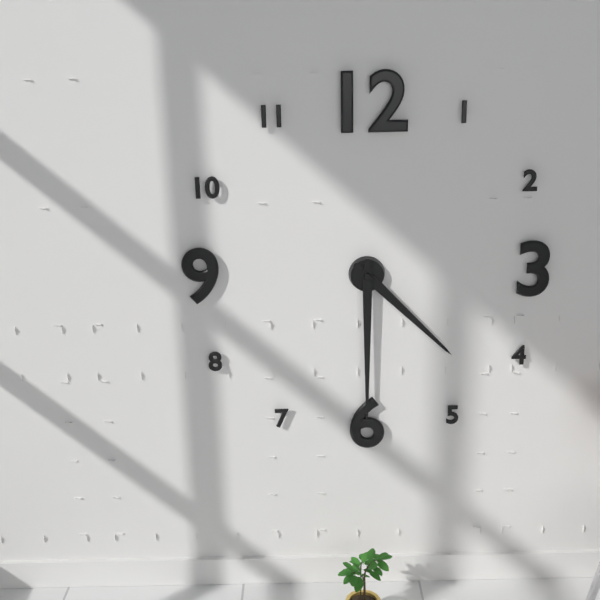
4:30
